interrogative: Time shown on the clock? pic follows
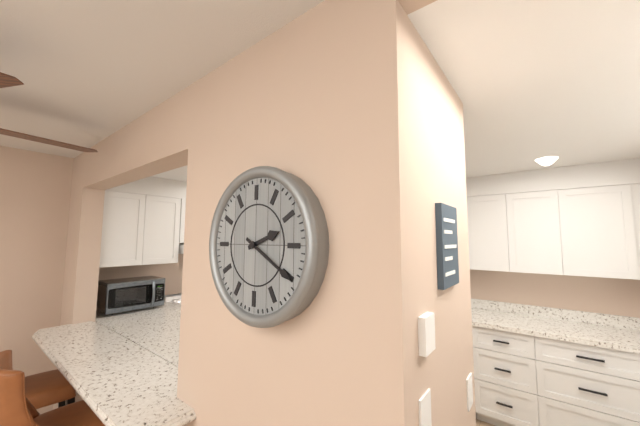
2:20
